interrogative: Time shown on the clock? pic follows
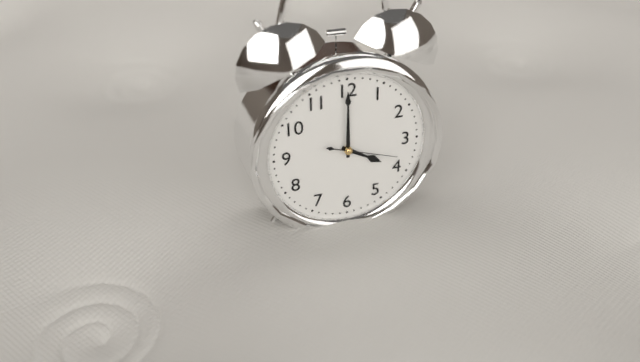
4:00:18
